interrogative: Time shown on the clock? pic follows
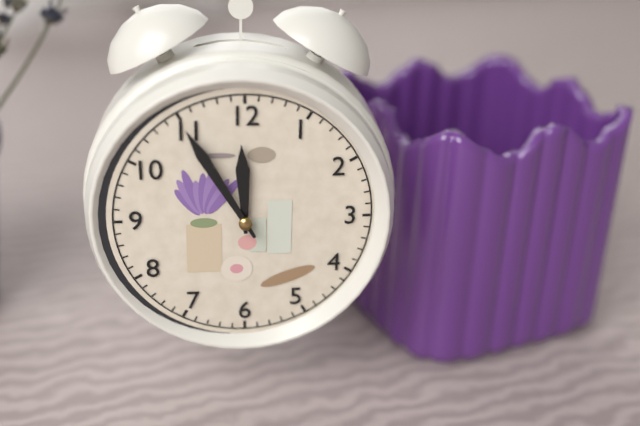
11:55
